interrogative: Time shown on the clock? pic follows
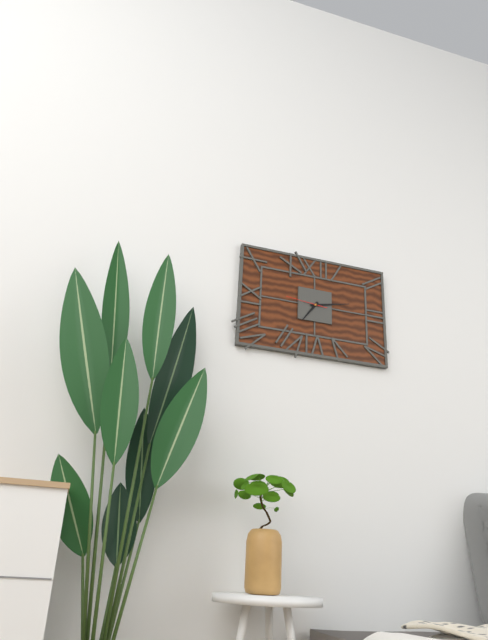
7:13
